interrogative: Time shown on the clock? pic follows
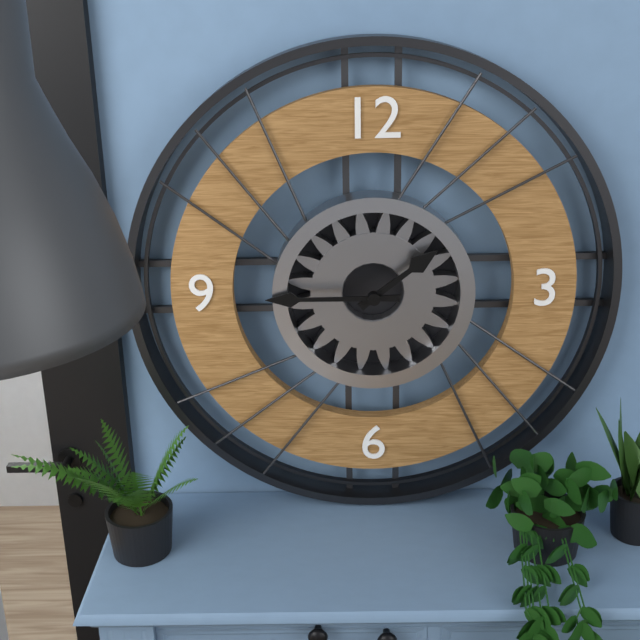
1:45
